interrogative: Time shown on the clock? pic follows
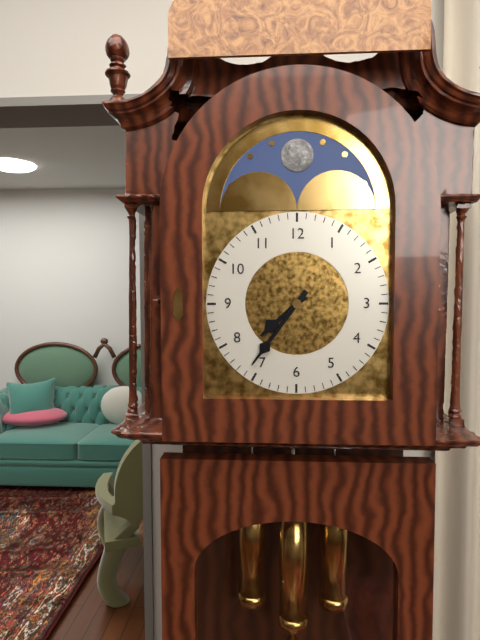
7:36
